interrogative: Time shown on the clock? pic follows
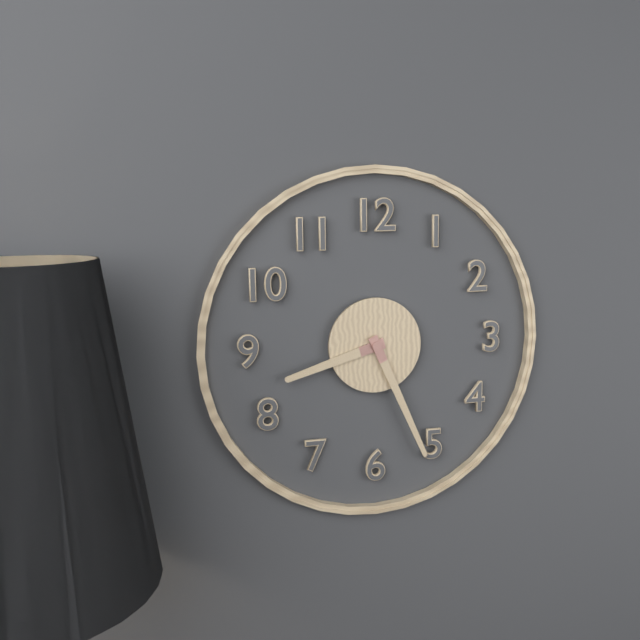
8:26
